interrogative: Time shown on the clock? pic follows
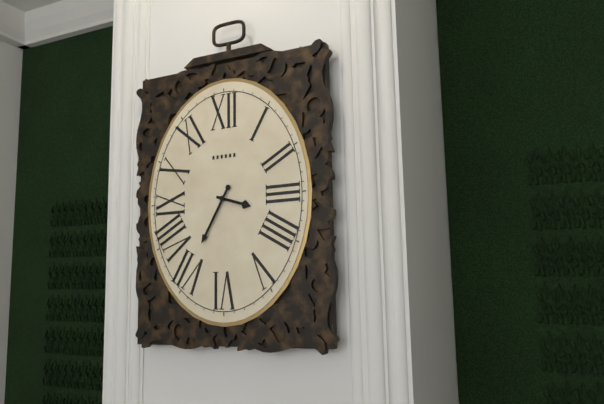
3:35
